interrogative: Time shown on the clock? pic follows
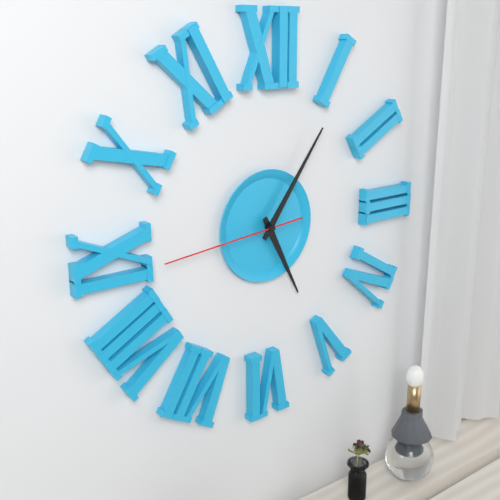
5:06:44
